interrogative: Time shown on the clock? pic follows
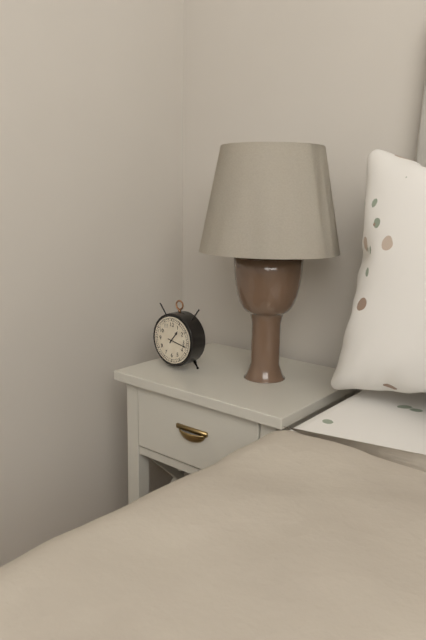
1:17
